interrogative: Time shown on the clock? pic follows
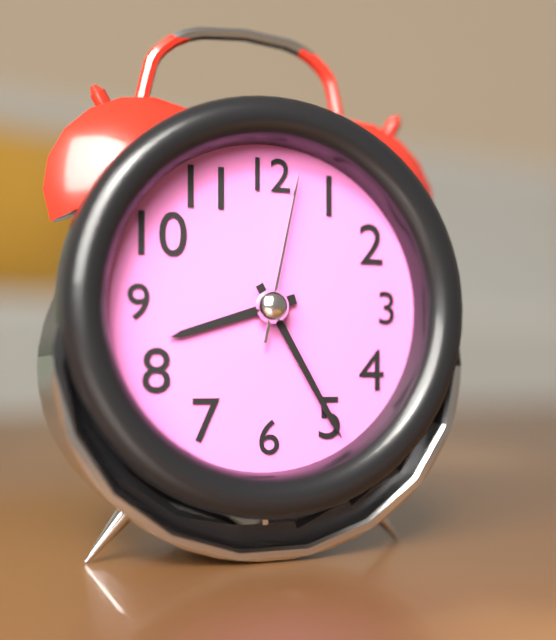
8:25:02
